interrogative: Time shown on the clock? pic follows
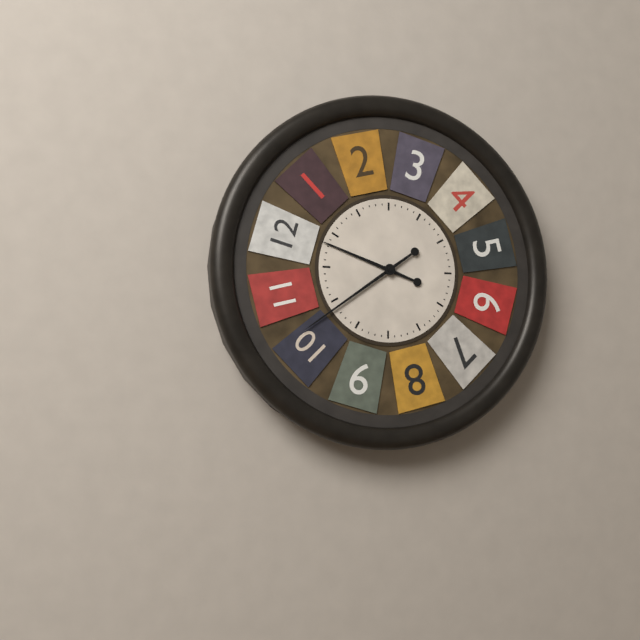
9:39
